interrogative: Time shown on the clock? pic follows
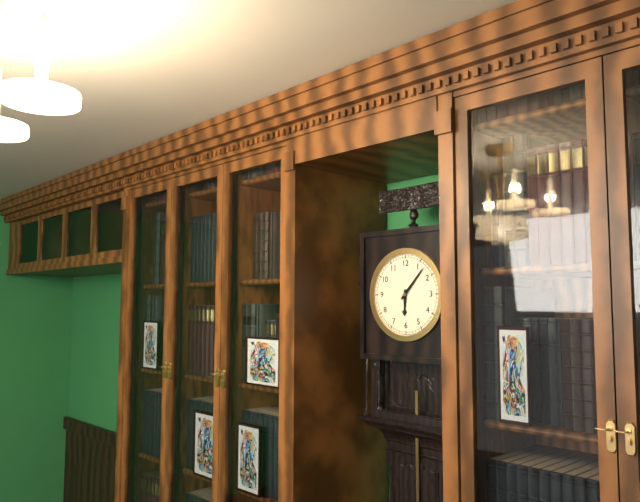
6:07
